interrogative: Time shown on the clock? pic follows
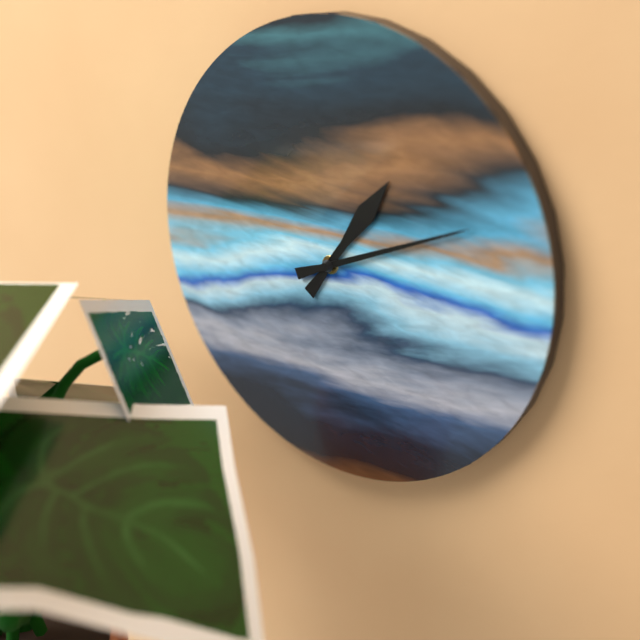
1:11
